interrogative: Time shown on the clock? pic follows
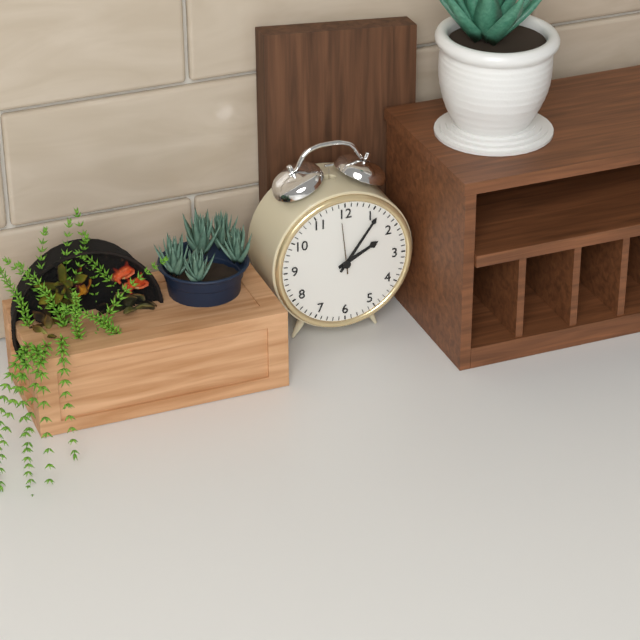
2:06:59
